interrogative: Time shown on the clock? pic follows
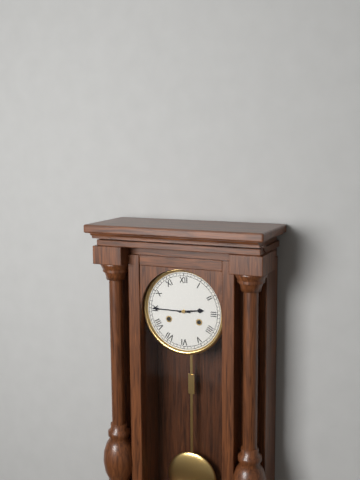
2:45
